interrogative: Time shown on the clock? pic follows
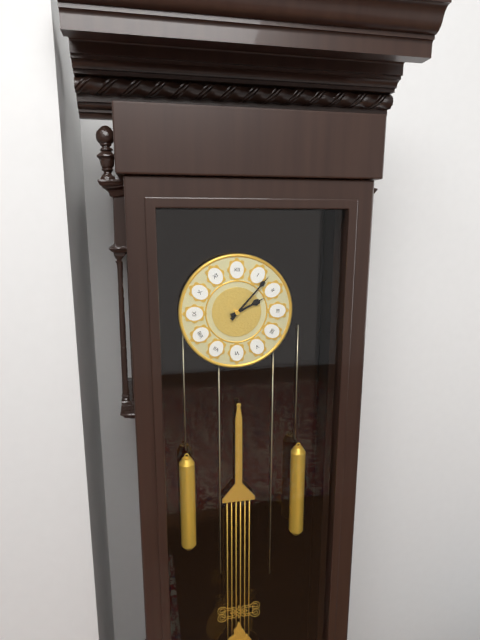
2:07
